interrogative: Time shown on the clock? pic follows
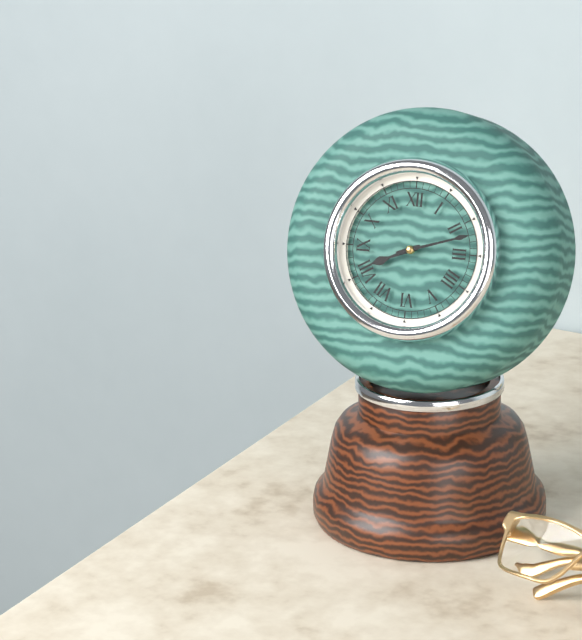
8:12
